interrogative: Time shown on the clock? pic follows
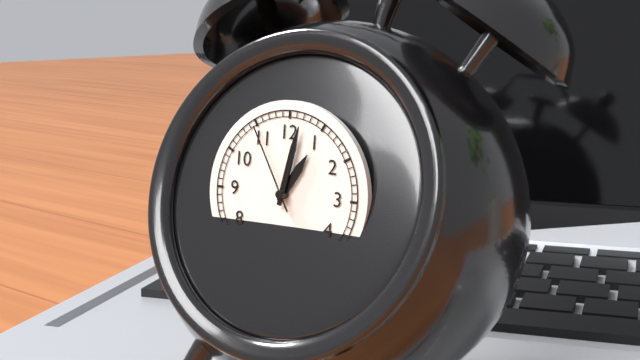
1:02:55
